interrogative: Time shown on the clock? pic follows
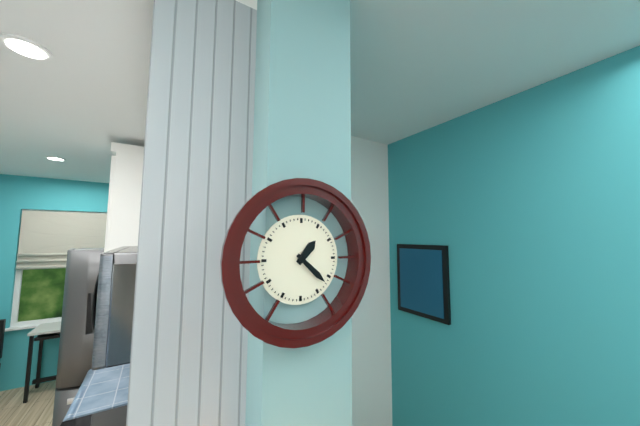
1:22
